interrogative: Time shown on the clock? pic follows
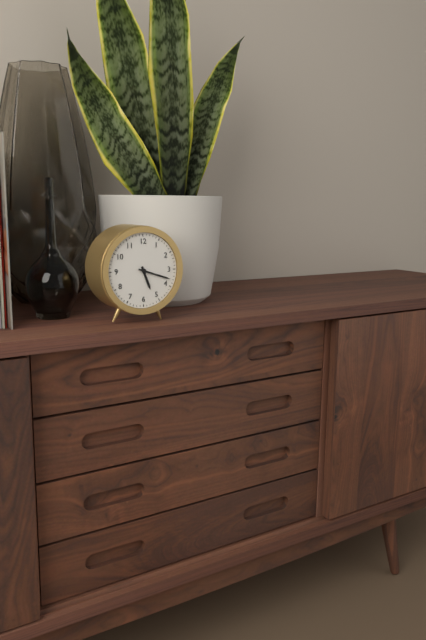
5:18
